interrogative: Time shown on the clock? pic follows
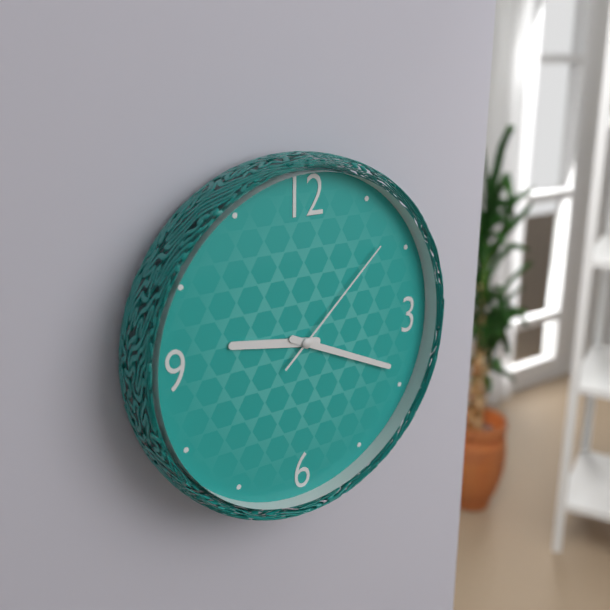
9:19:08
